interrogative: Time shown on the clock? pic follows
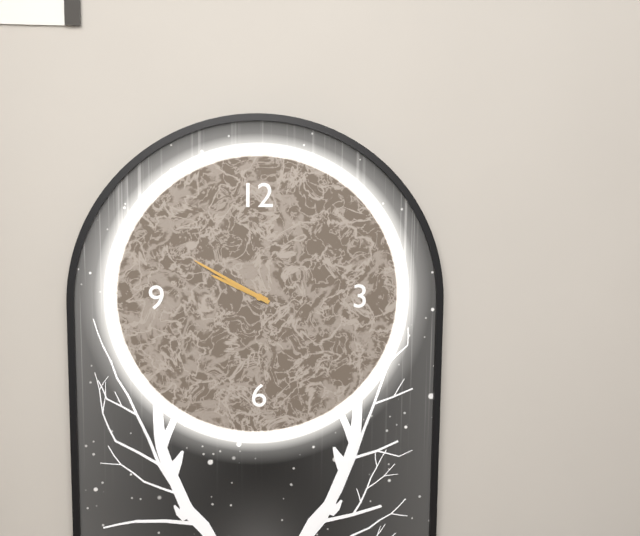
9:50
